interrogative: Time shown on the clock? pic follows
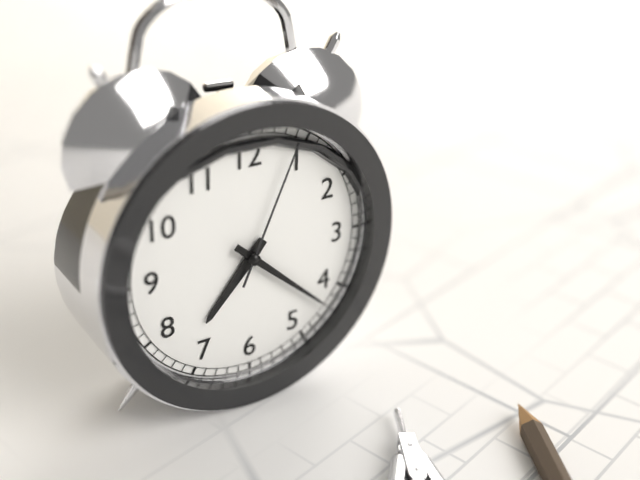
7:22:04
